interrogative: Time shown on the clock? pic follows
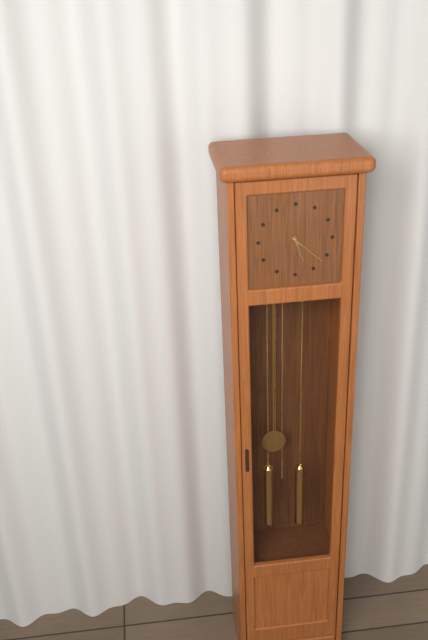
5:22
